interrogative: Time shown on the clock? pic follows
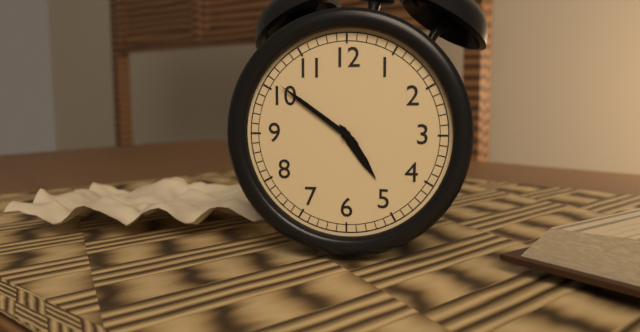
4:51
